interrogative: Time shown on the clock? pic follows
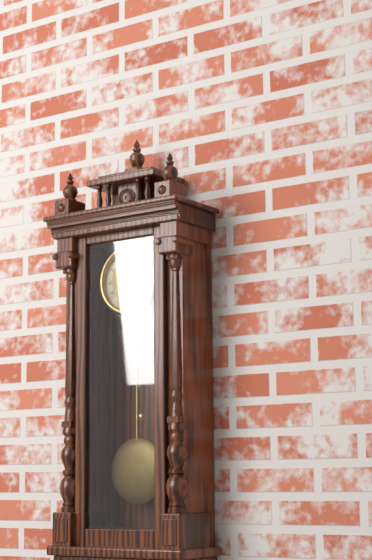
4:13
